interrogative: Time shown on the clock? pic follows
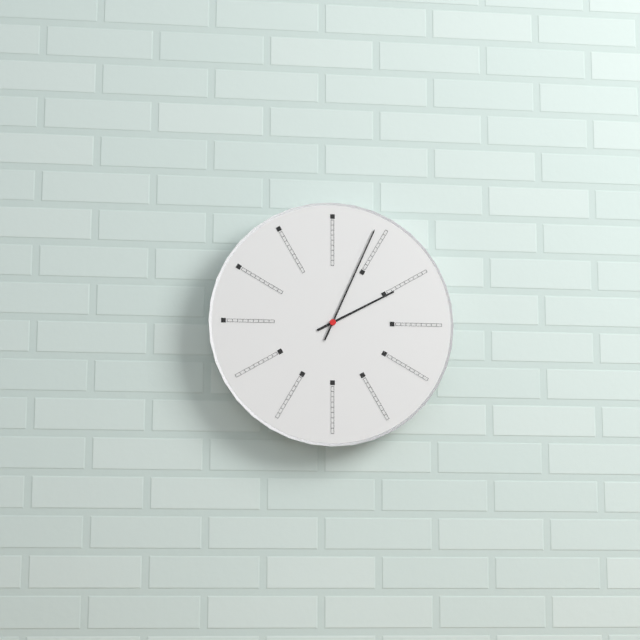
2:04
